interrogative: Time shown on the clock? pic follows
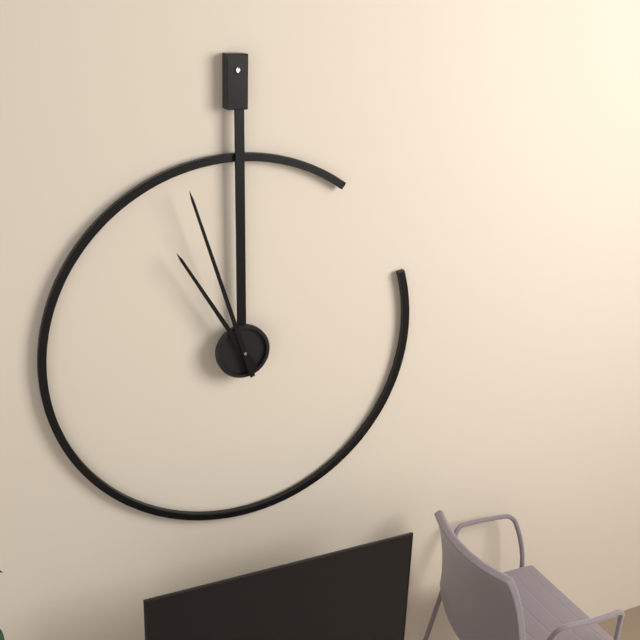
10:57
